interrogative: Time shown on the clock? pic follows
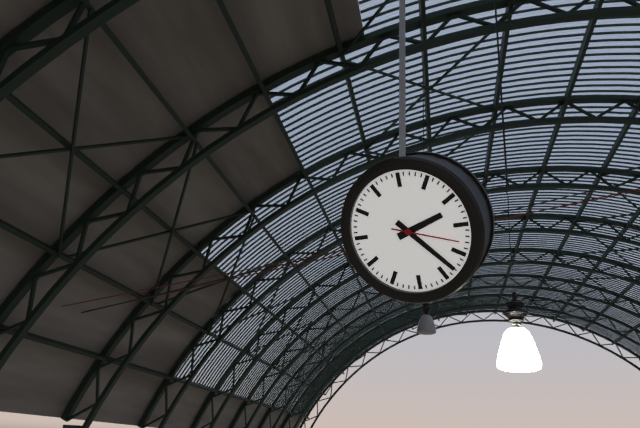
2:23:18
